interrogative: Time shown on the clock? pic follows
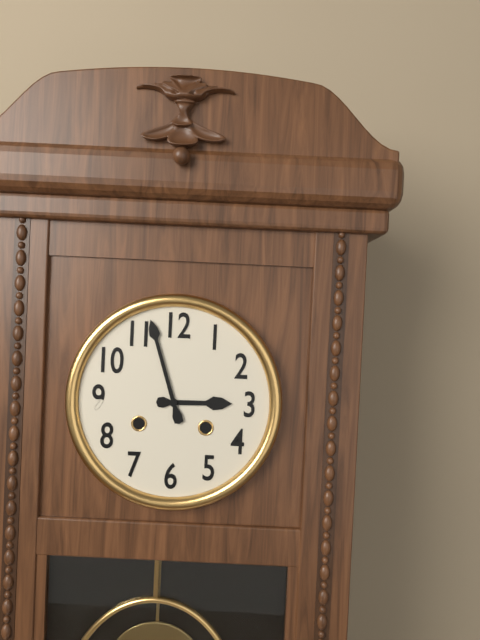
2:57
